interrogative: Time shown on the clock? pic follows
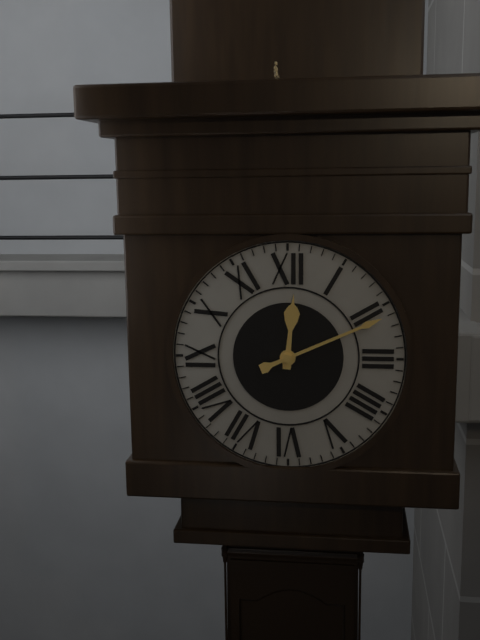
12:11
